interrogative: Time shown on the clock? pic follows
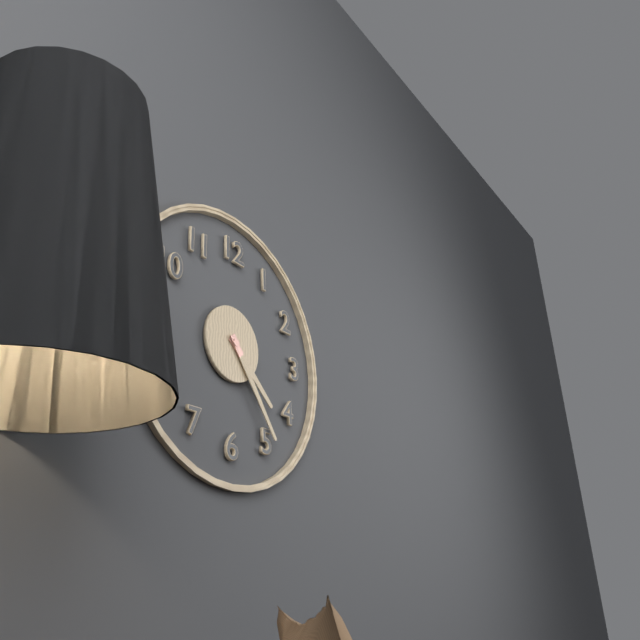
4:24
